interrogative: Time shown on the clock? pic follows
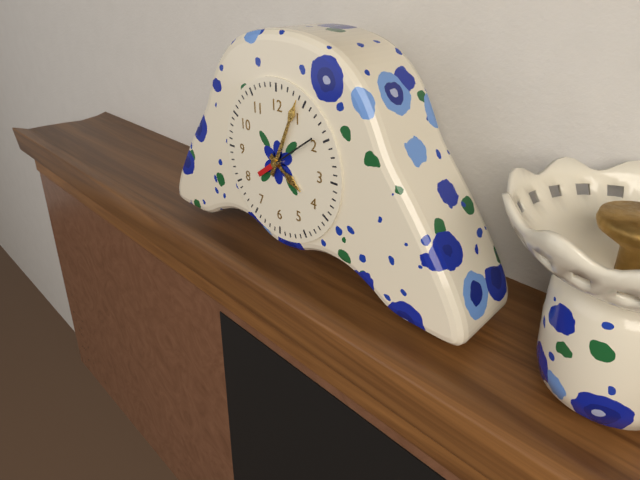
4:04
